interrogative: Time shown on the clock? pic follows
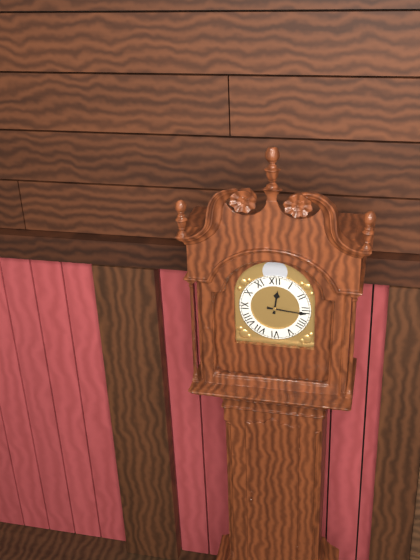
12:16
